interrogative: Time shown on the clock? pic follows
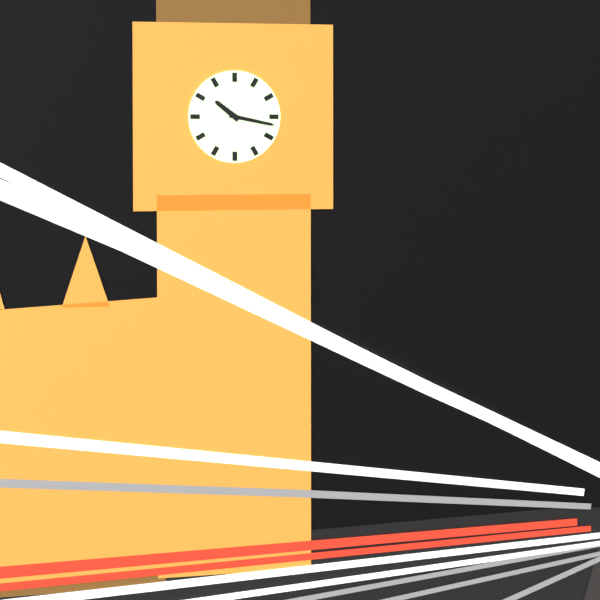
10:17
